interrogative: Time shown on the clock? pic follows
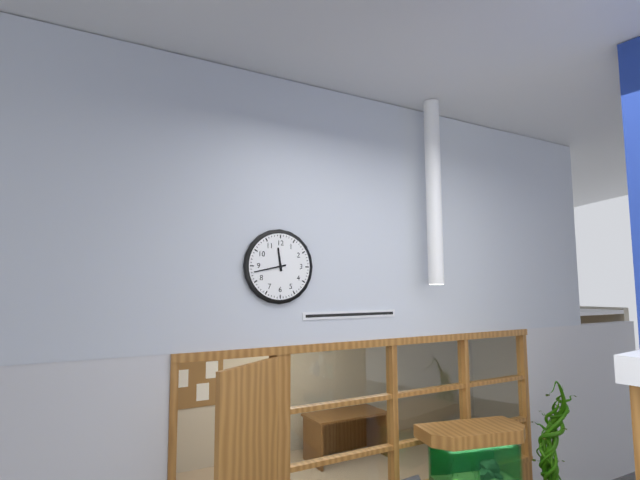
11:43
